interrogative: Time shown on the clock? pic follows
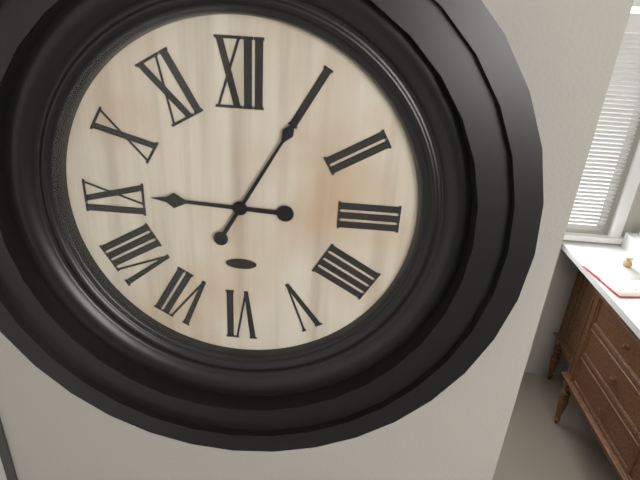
9:05
